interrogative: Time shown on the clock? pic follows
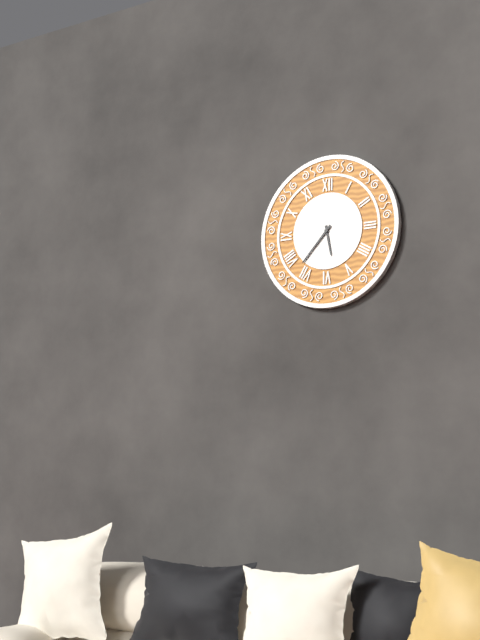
5:37
